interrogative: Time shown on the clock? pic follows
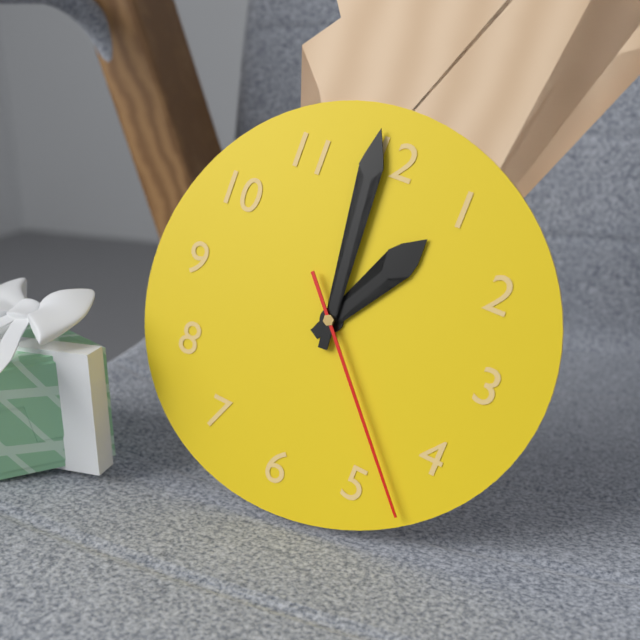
12:59:23
